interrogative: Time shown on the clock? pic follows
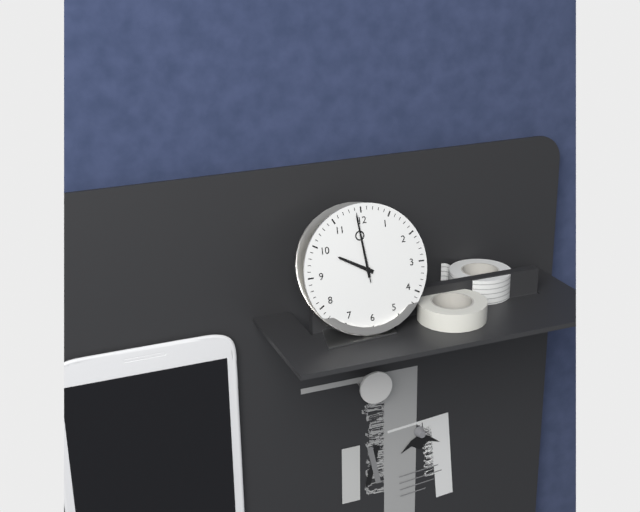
9:59:59
